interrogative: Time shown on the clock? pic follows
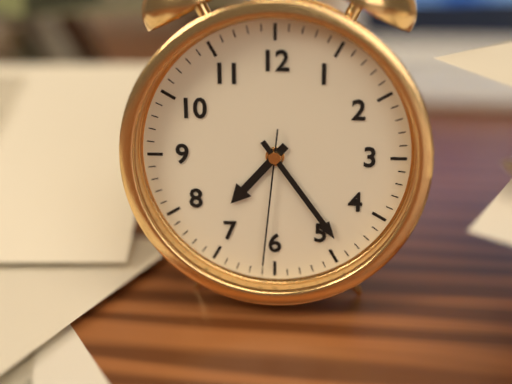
7:24:31
